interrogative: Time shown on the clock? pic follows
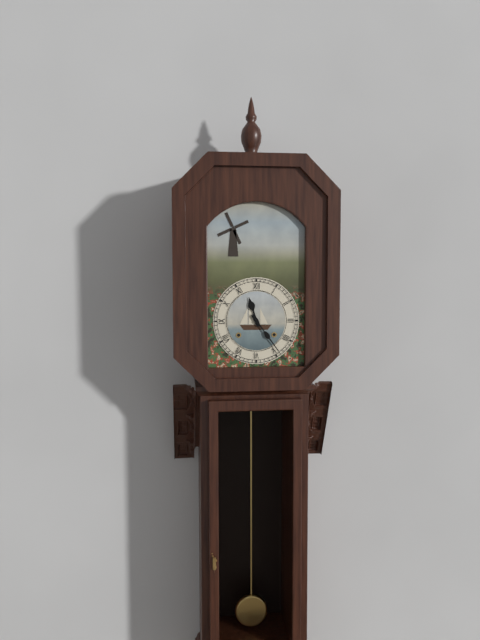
11:24
